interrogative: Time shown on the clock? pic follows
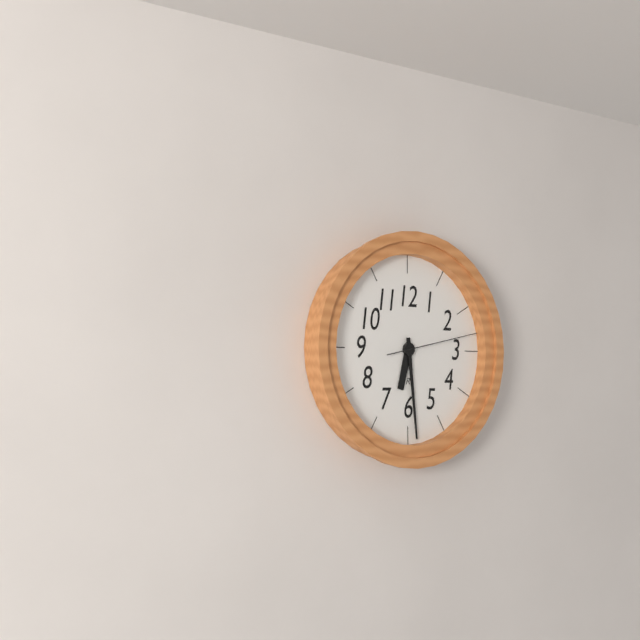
6:29:13
